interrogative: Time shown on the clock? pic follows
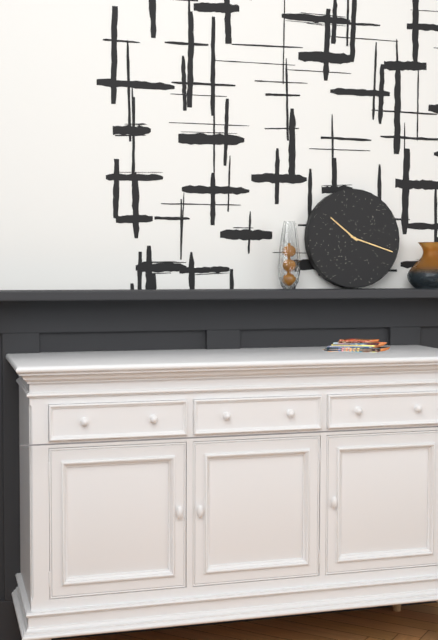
10:18
